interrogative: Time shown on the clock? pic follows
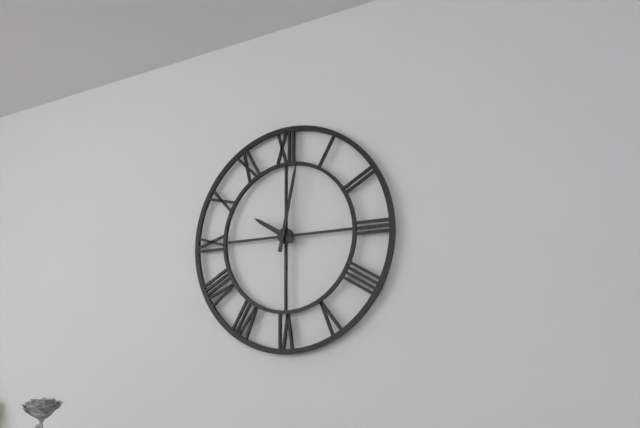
10:02
